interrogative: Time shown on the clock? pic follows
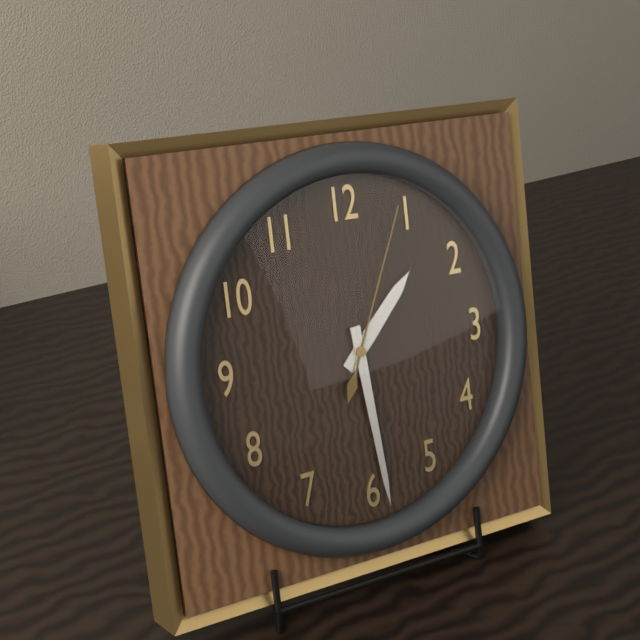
1:29:04
